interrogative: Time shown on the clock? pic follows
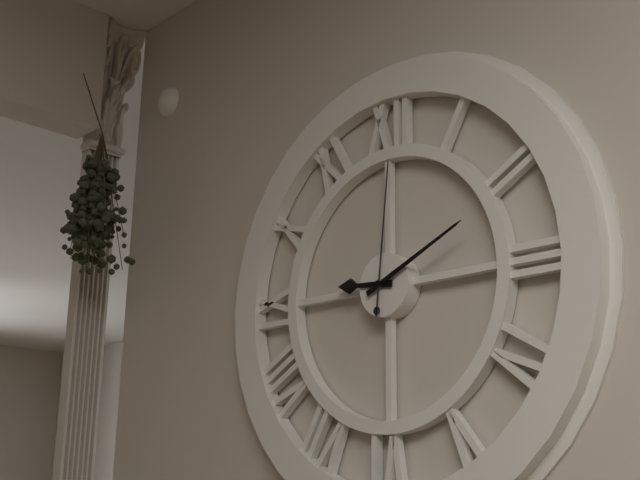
9:11:01
